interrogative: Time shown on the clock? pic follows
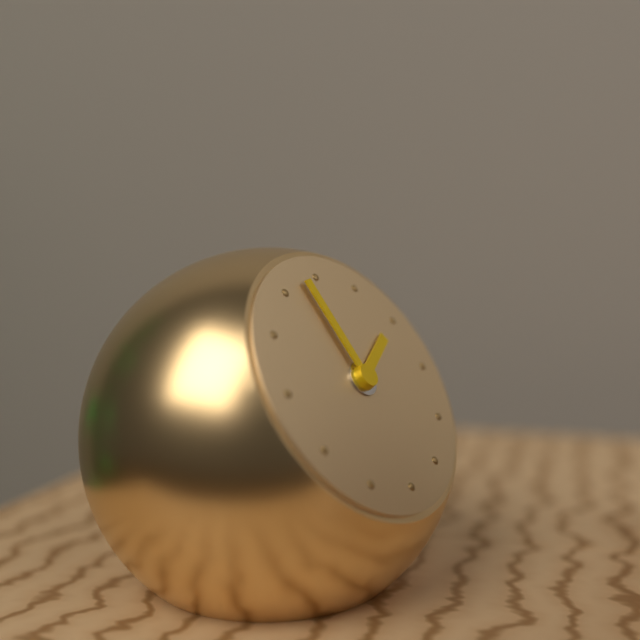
1:58
